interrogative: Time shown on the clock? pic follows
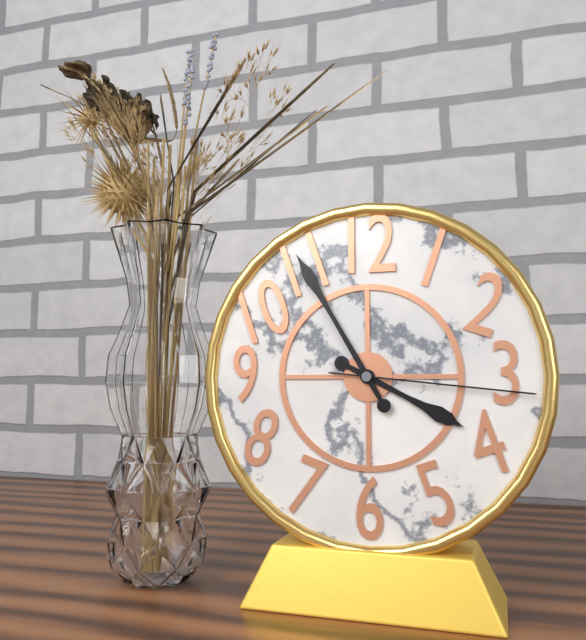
3:55:16
